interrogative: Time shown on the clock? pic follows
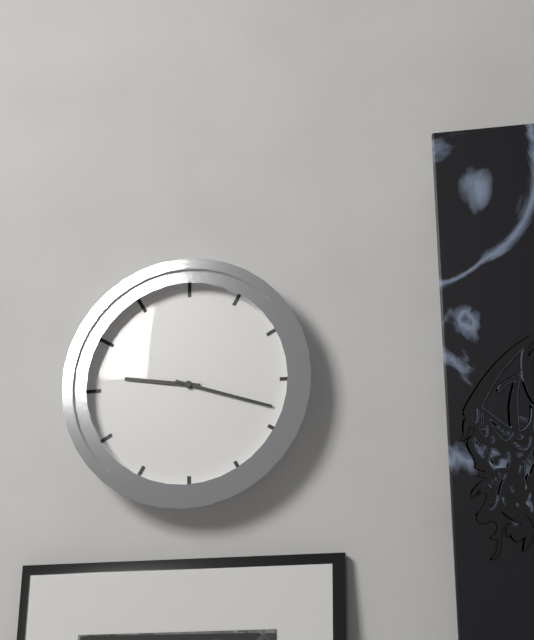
9:18
